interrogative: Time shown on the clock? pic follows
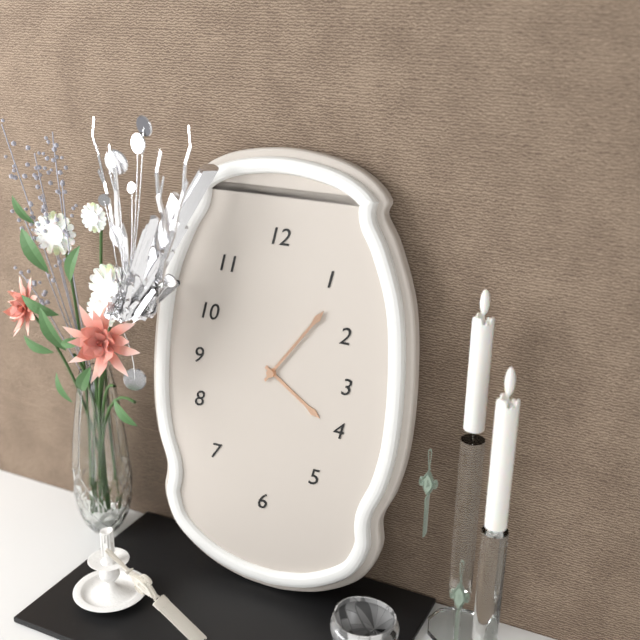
4:06
